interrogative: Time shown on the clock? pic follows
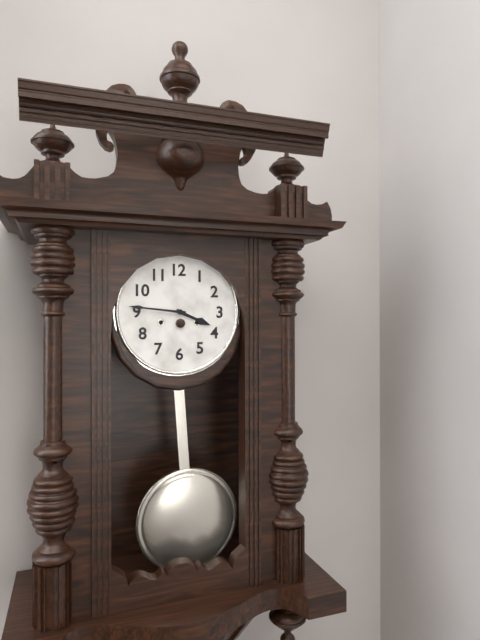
3:46
